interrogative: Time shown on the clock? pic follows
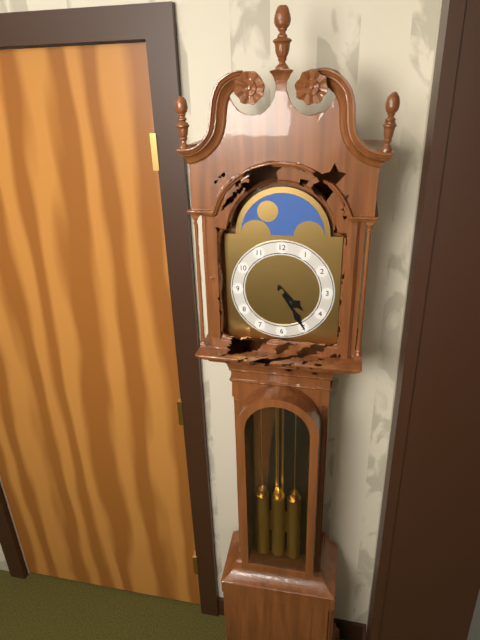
4:25
